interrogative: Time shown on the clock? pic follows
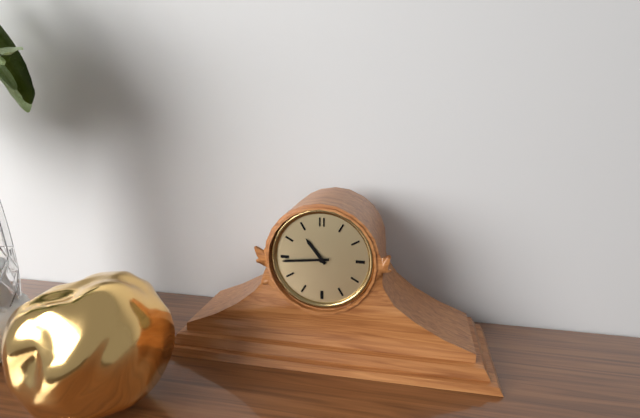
10:44
